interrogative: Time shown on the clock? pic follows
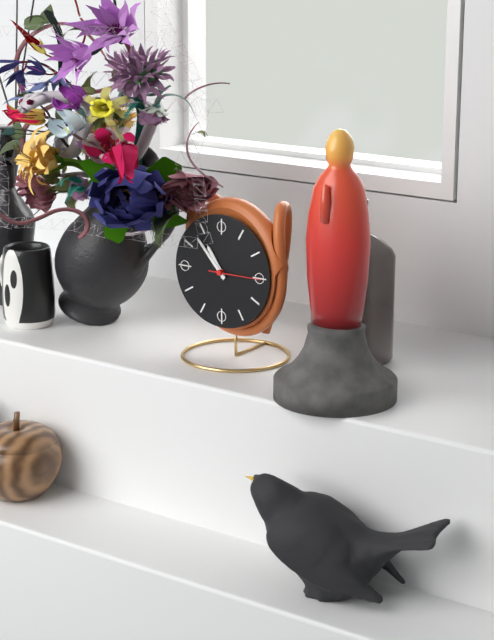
10:53
